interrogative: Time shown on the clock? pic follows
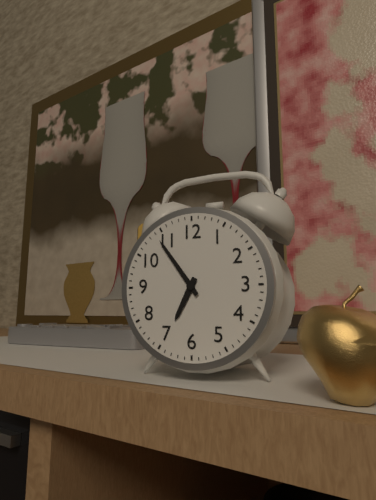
6:54
